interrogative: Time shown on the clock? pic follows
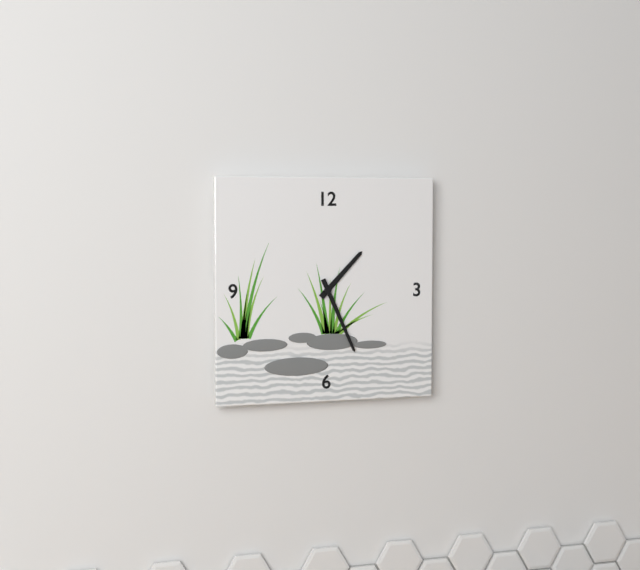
1:26
